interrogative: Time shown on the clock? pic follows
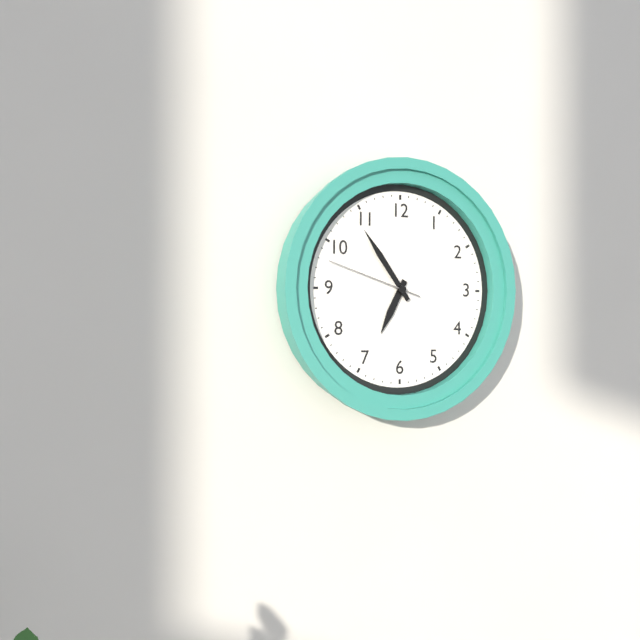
6:54:48
